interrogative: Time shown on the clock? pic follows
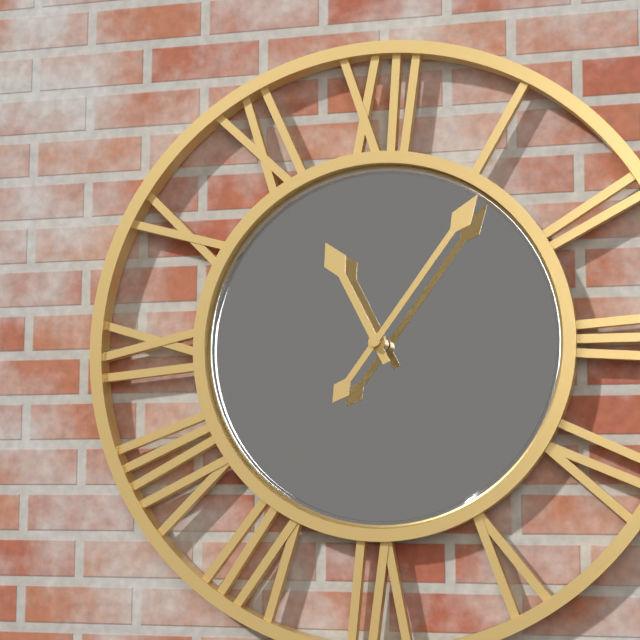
11:06
